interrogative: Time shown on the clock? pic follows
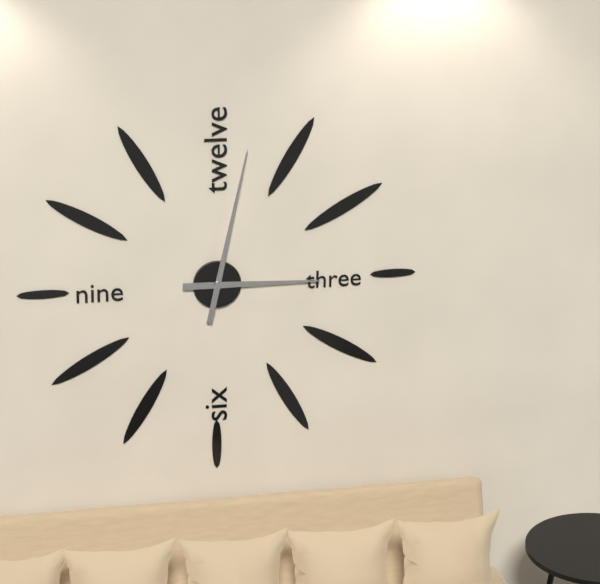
3:02
